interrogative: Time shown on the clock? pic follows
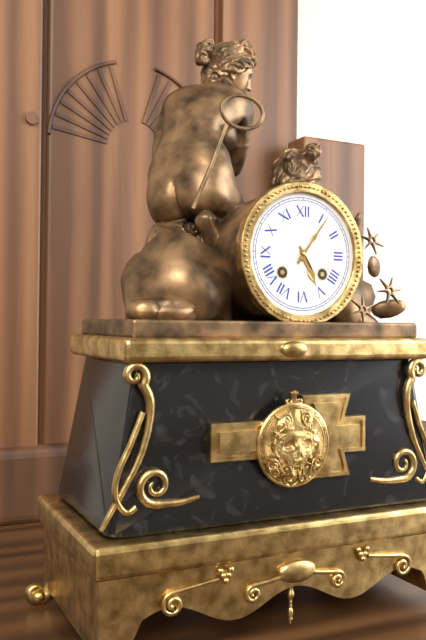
5:06
